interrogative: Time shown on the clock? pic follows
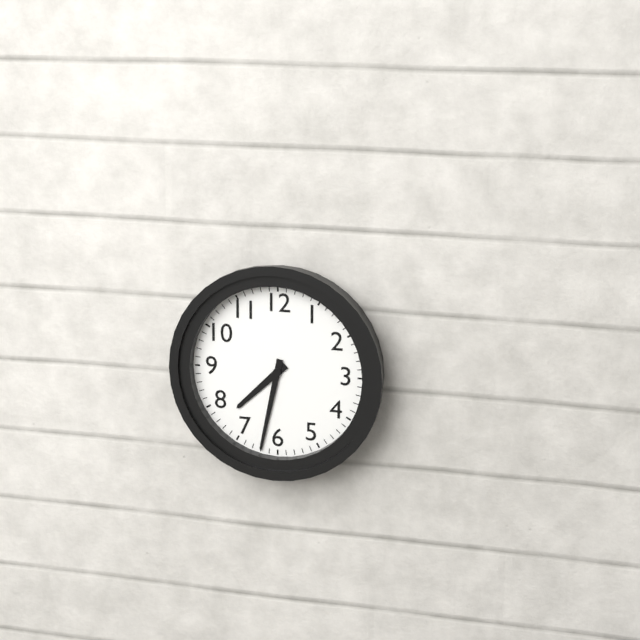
7:32
